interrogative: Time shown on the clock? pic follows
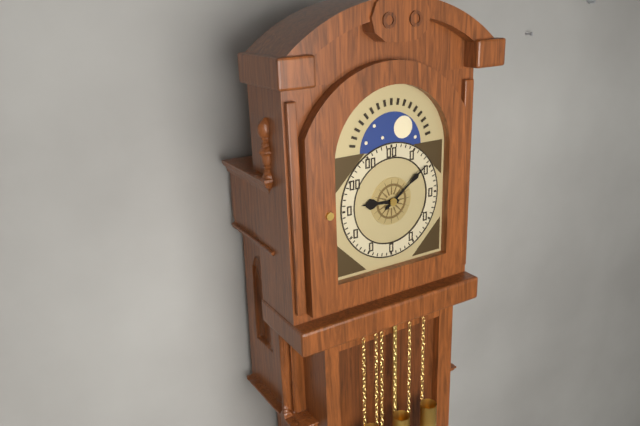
9:09
